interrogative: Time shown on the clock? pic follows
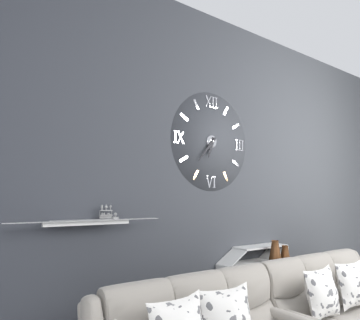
6:37
